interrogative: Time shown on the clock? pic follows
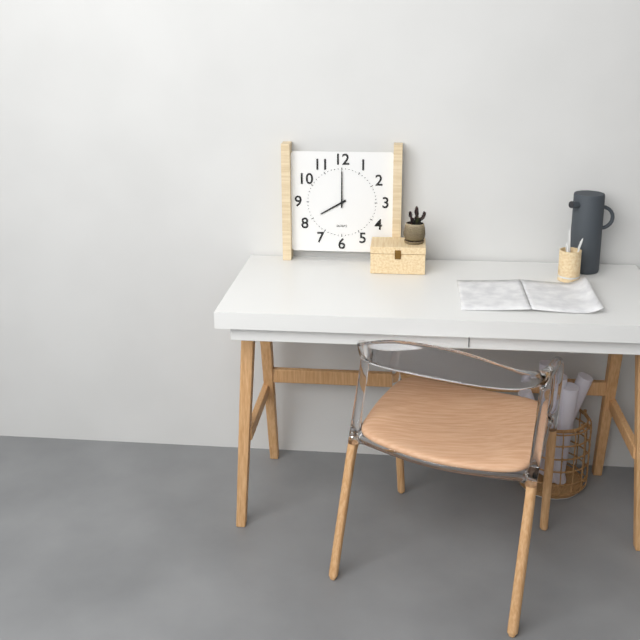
8:00
